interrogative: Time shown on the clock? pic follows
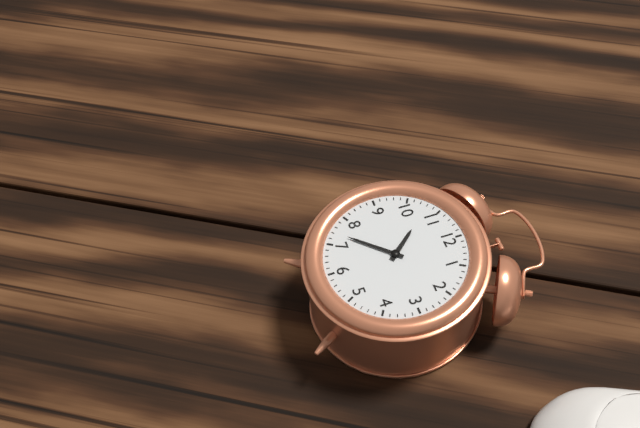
10:37
